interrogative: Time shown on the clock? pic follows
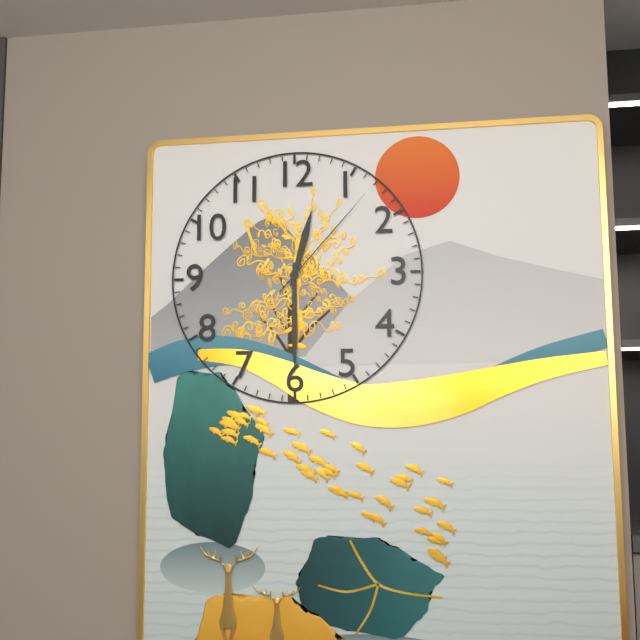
12:30:07
